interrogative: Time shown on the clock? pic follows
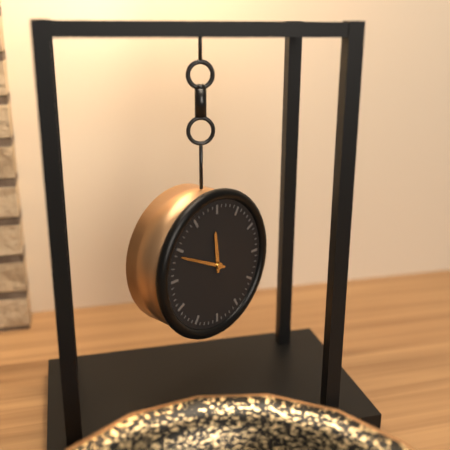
11:49
